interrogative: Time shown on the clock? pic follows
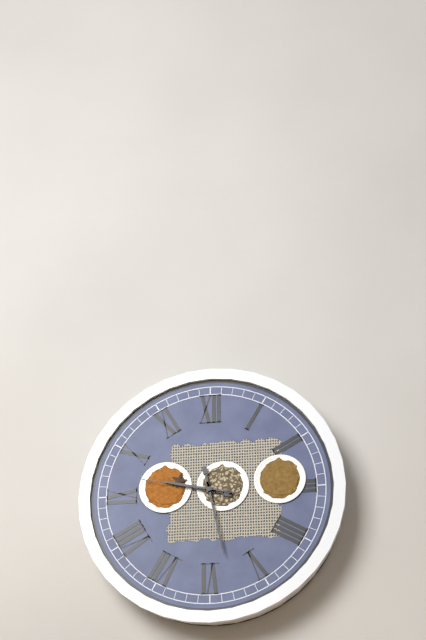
9:28:47
